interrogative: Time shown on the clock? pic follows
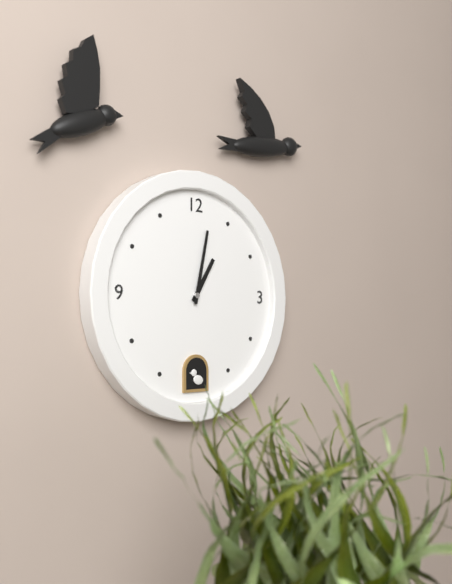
1:02
